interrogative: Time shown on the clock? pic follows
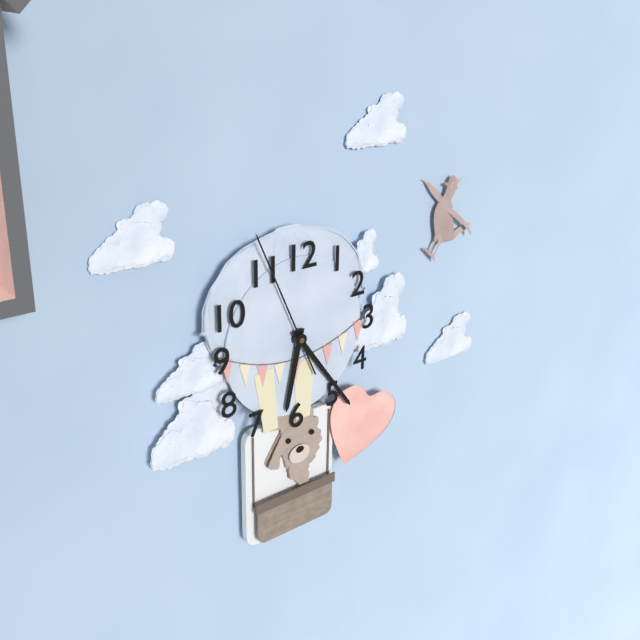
6:24:56
